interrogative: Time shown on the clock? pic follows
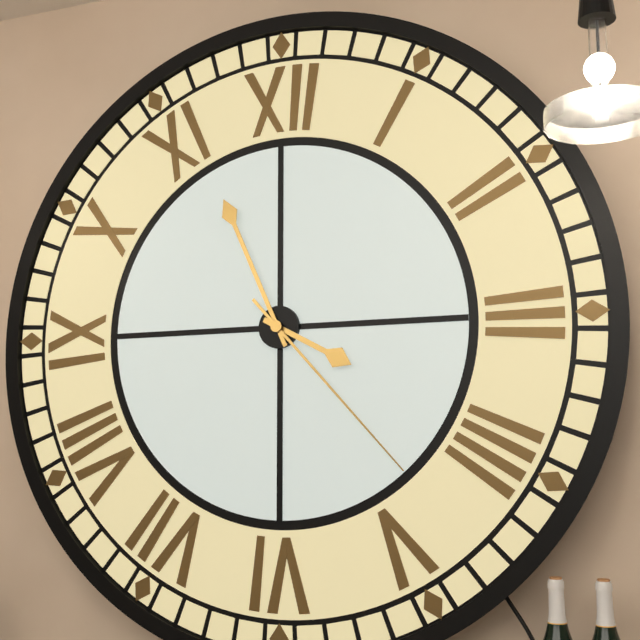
3:56:23
